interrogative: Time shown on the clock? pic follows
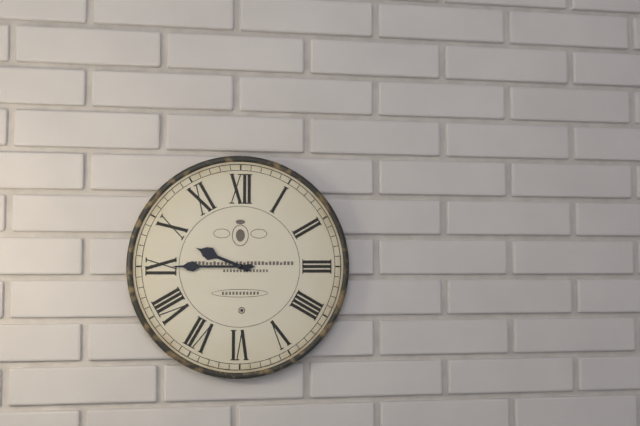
9:45
